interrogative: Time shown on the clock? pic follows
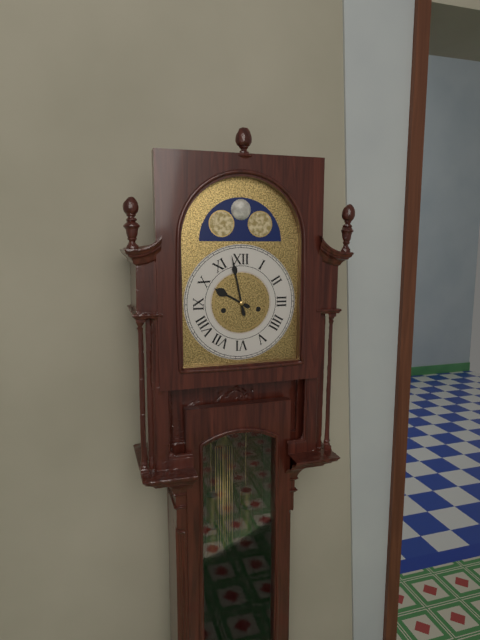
9:58
